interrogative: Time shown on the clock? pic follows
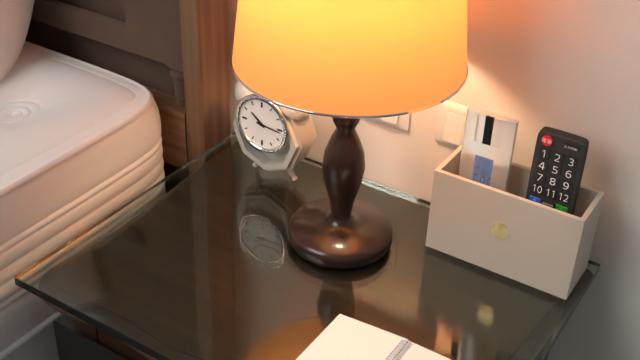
10:16
